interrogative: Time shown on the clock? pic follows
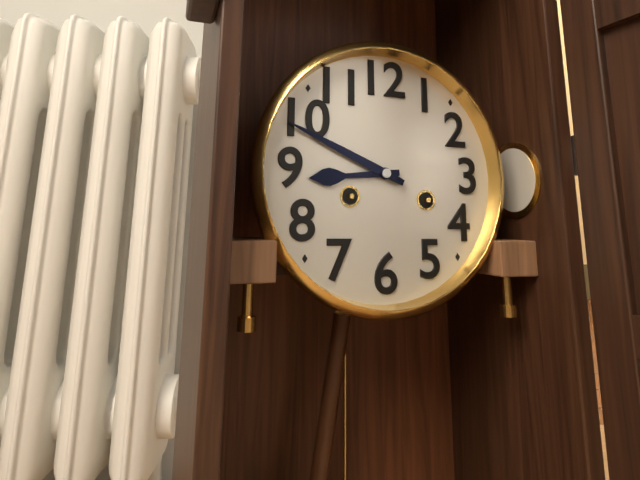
8:49
